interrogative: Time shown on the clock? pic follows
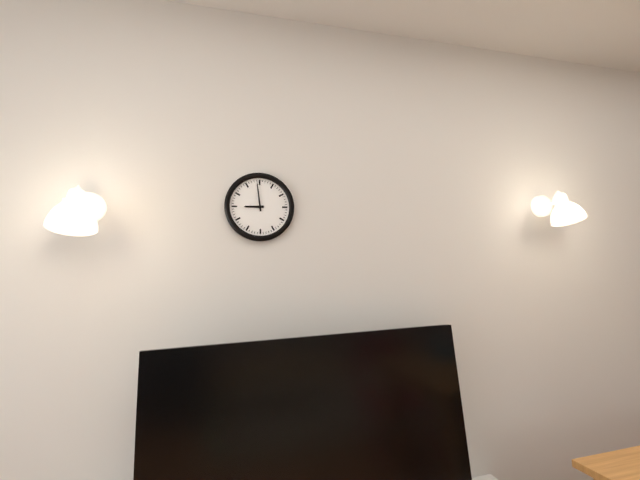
8:59
